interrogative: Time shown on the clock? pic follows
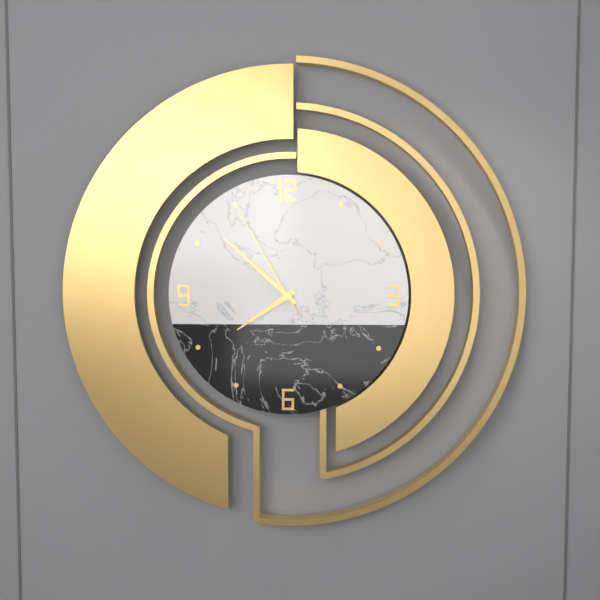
7:52:55
